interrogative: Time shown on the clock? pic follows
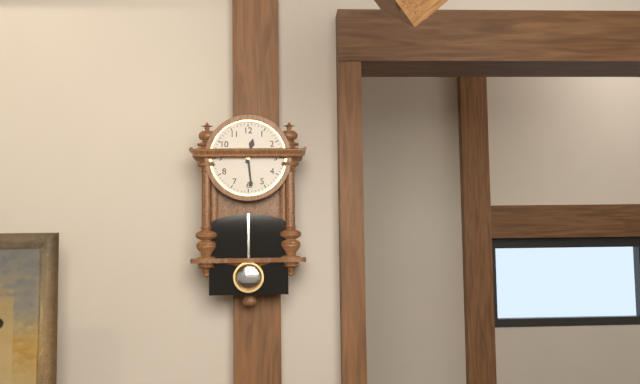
12:29
